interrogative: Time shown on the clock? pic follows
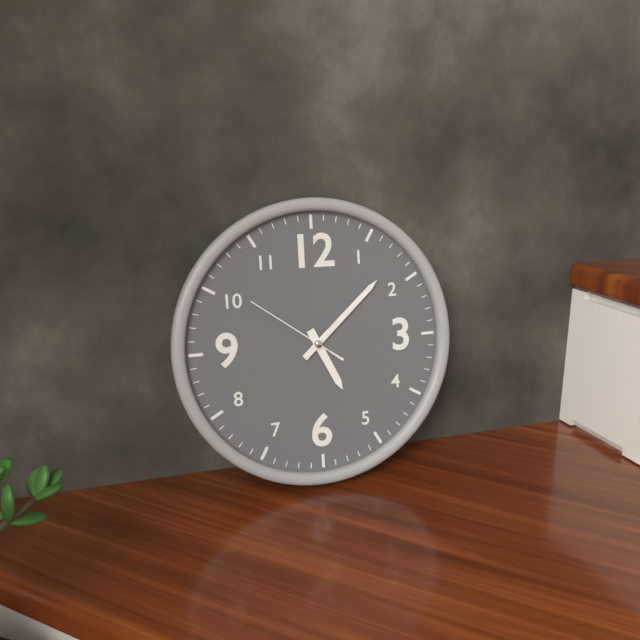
5:08:51
